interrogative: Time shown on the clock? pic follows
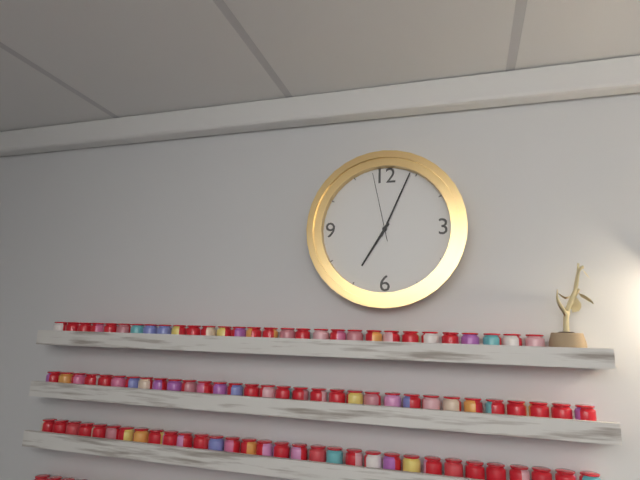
7:04:58
